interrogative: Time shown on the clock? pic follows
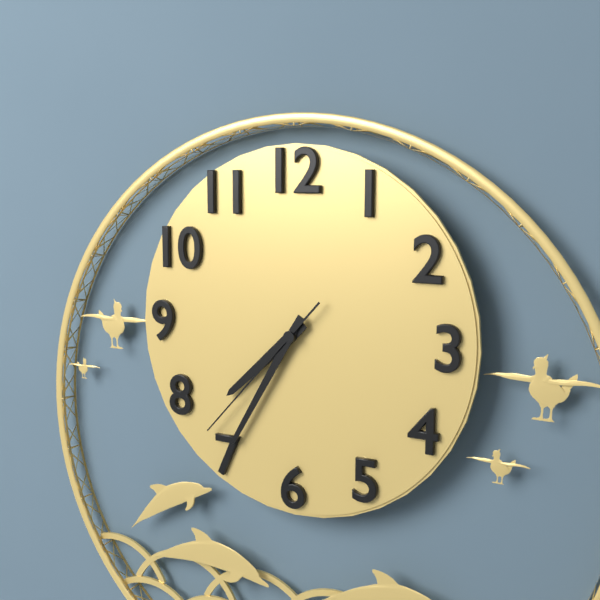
7:35:37
